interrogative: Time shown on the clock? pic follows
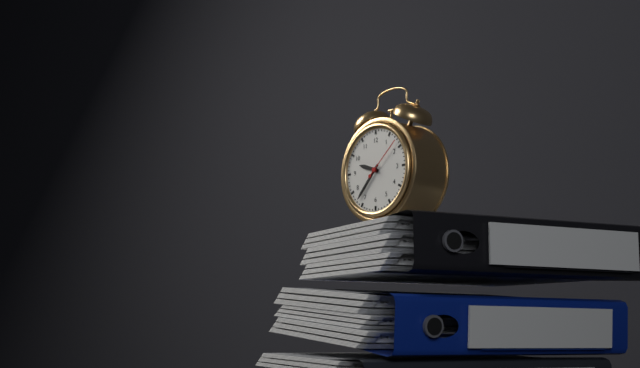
9:37
